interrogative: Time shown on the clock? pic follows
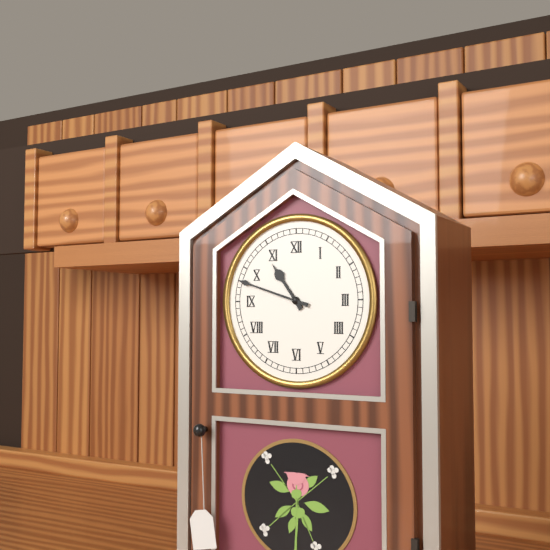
10:48
